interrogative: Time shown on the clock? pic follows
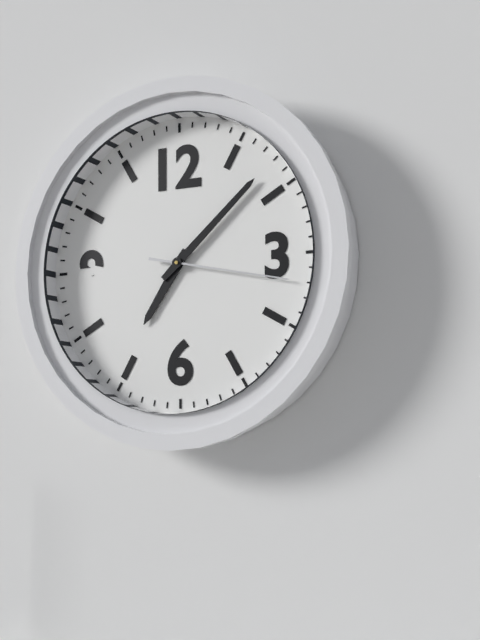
7:08:17
